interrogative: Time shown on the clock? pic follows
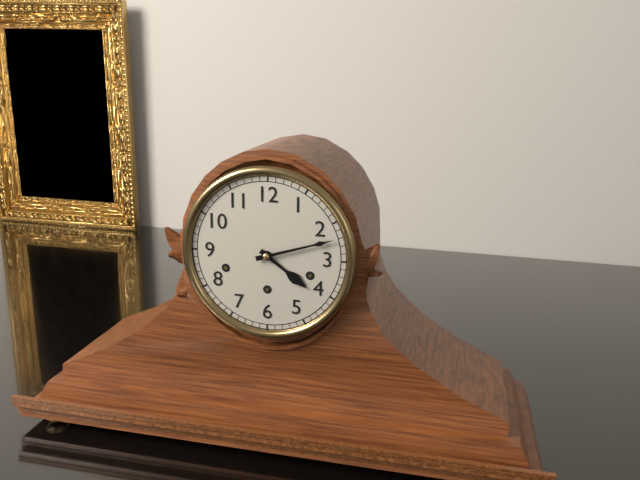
4:12
